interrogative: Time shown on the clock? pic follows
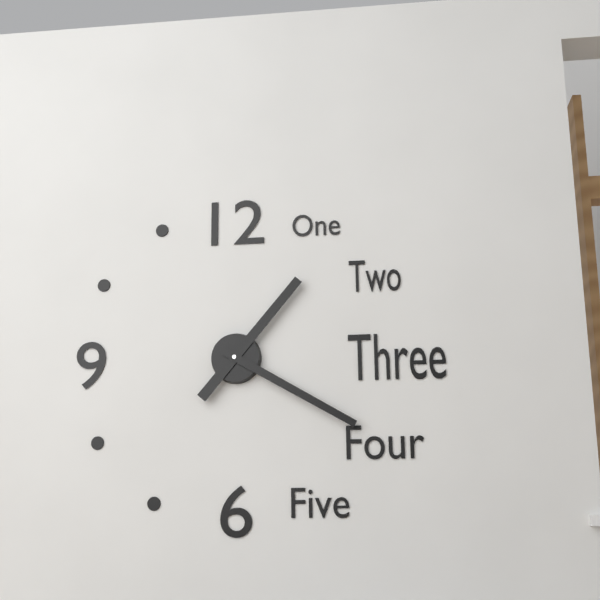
1:20
